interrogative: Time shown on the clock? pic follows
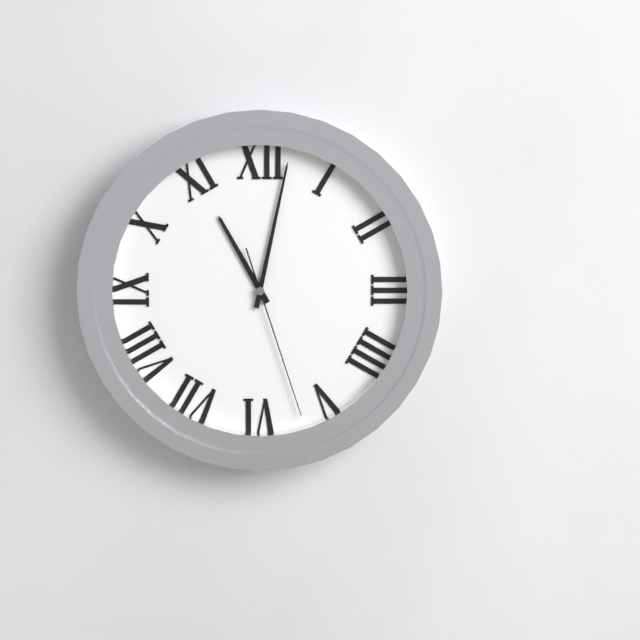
11:02:27
